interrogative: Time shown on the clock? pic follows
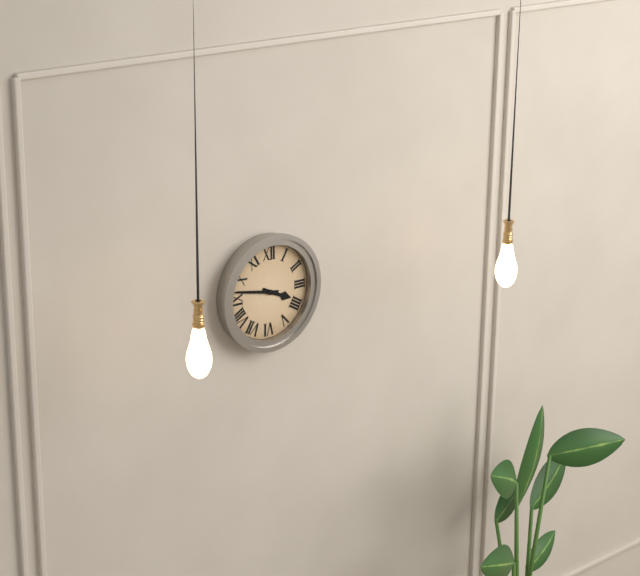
3:47
